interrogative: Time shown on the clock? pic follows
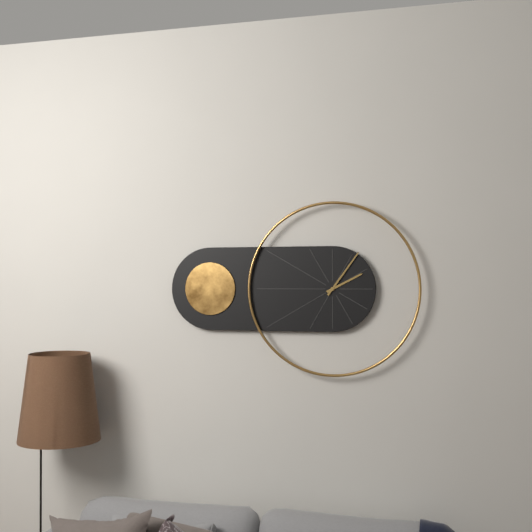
2:06
